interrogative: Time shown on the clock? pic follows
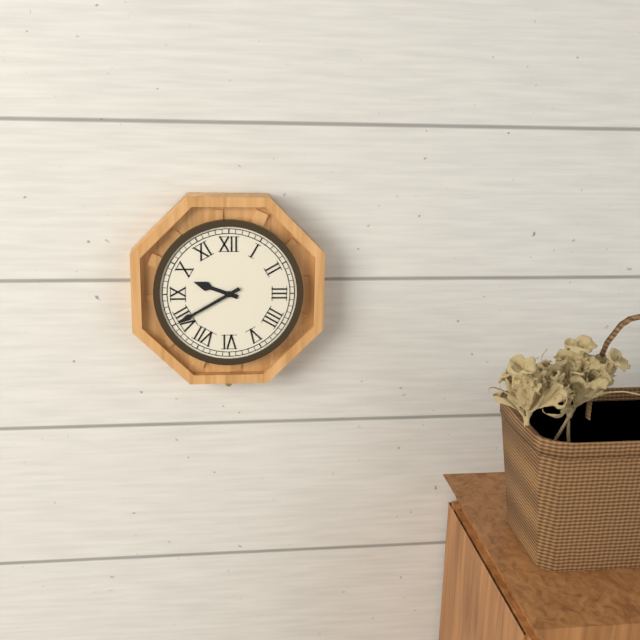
9:40
